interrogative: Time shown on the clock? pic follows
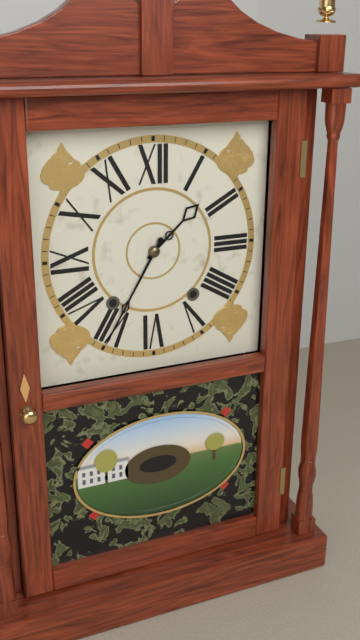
1:35
